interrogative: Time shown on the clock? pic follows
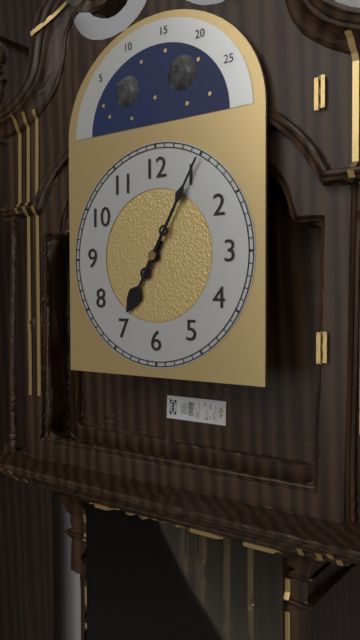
7:05
